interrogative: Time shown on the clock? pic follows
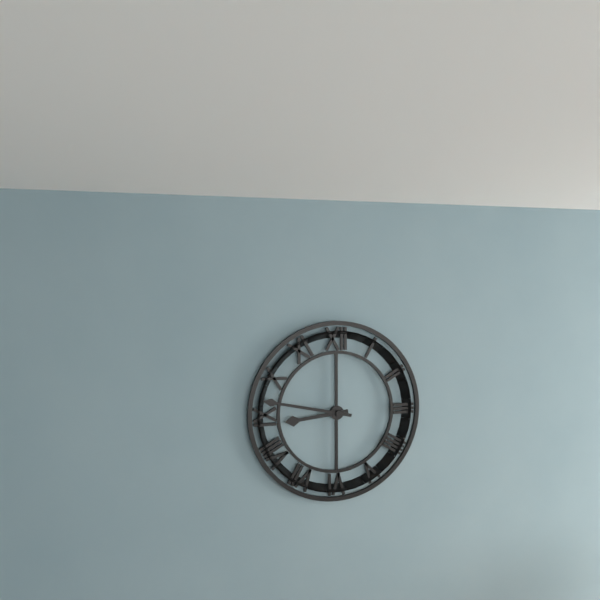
8:47
